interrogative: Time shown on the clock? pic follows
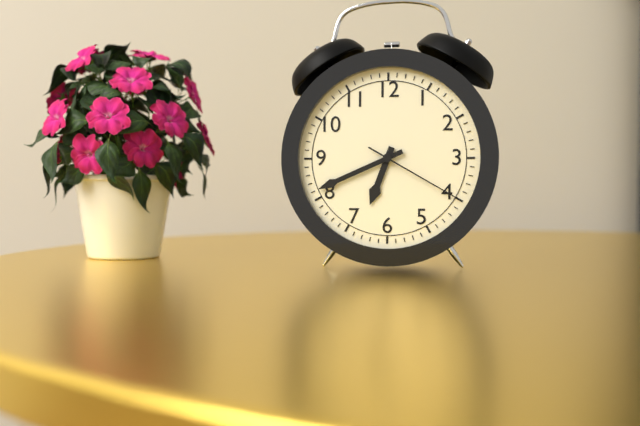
6:41:20
